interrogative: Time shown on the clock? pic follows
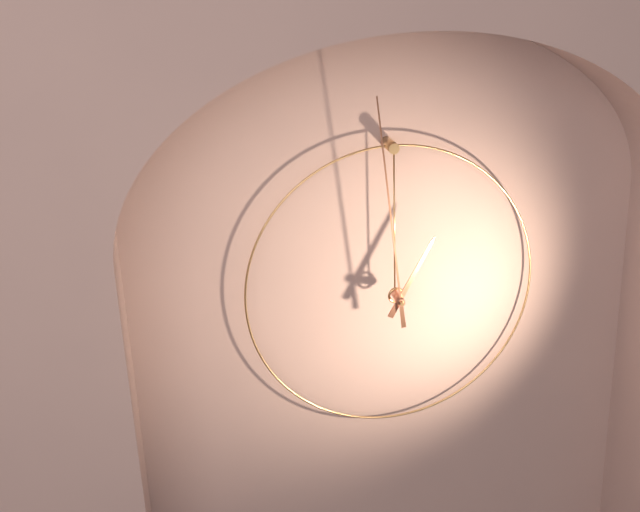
12:59
